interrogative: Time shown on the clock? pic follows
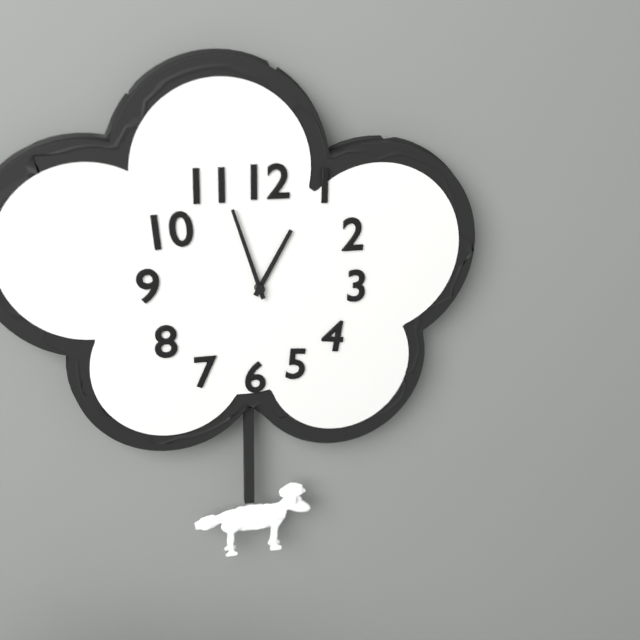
12:57
